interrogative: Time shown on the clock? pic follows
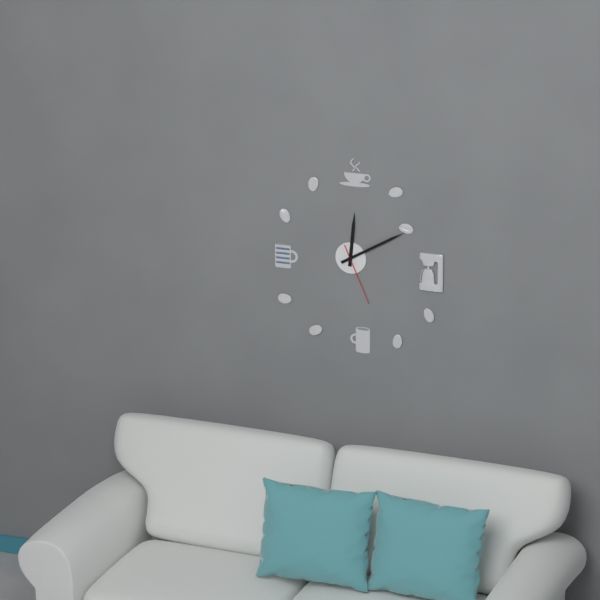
12:10:26
